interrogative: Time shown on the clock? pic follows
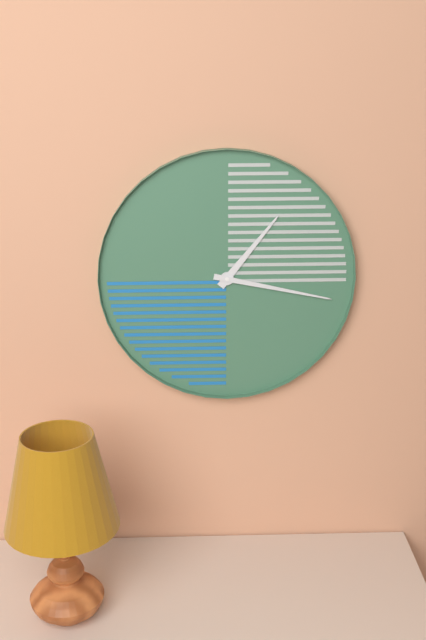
1:17
